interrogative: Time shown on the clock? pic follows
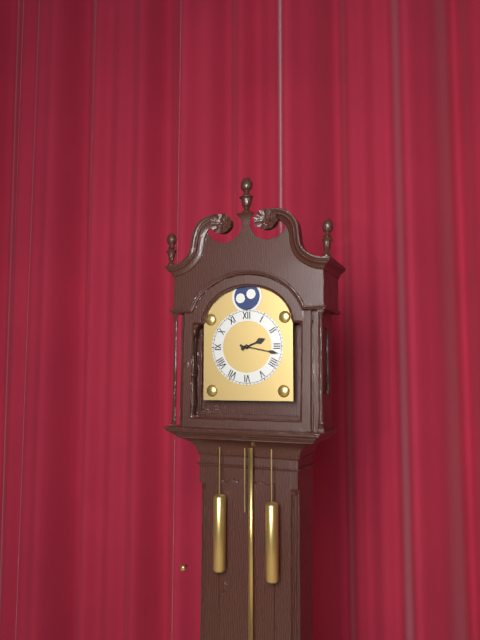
2:17
